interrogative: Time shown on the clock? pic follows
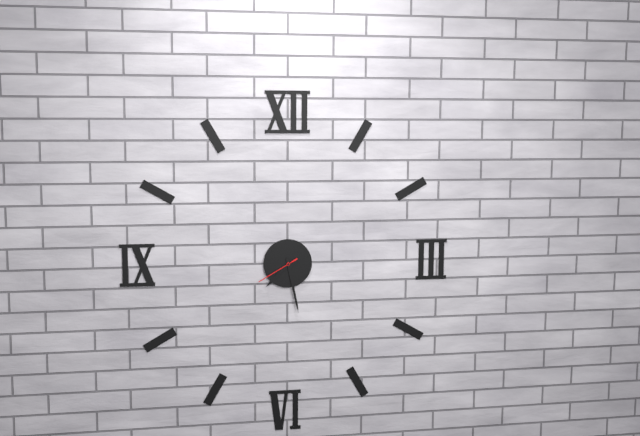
7:28
